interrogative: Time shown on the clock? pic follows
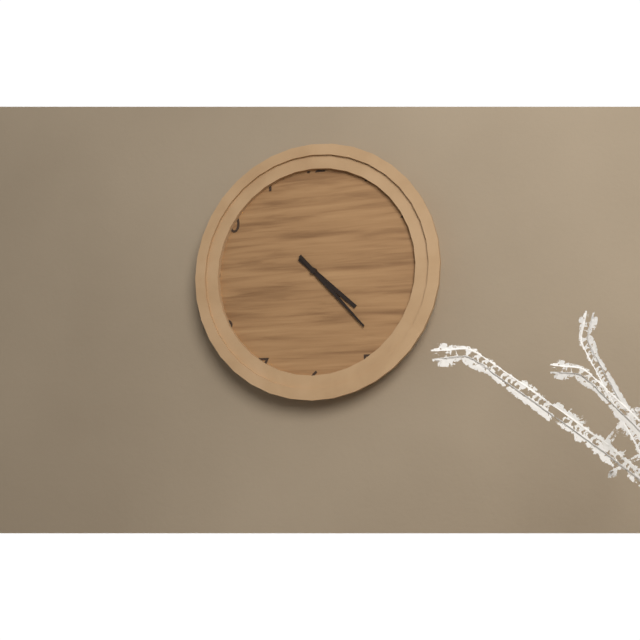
4:23
